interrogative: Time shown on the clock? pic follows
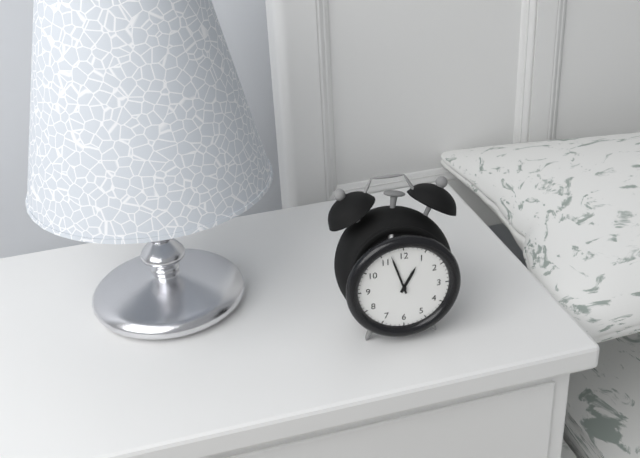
12:57
